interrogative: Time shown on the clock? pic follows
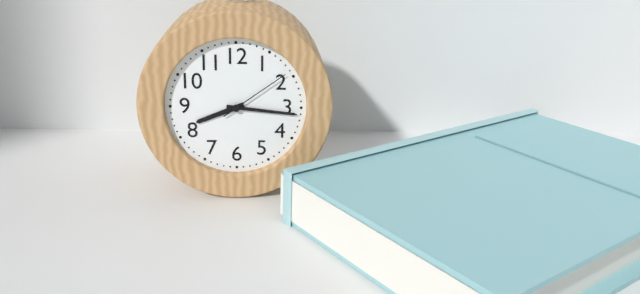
8:16:09
